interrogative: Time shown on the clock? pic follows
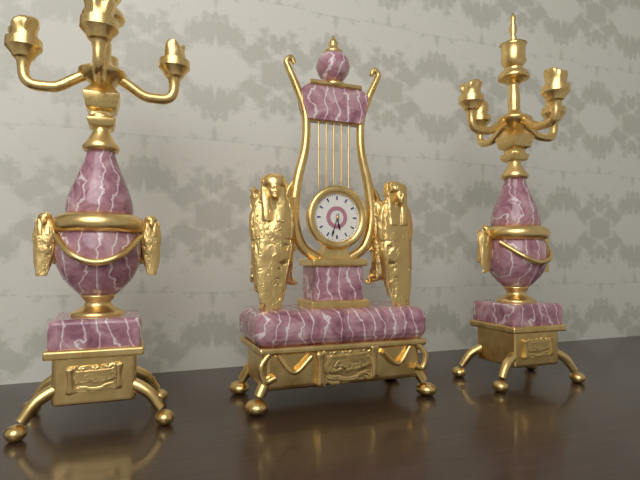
5:33
